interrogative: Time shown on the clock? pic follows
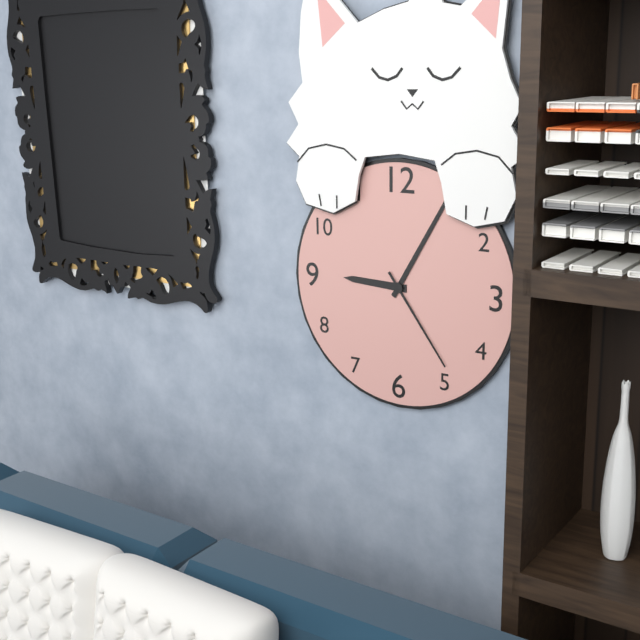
9:05:24
